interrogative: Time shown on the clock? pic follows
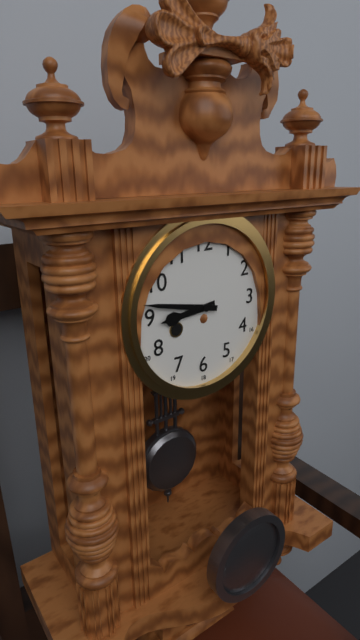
8:47
